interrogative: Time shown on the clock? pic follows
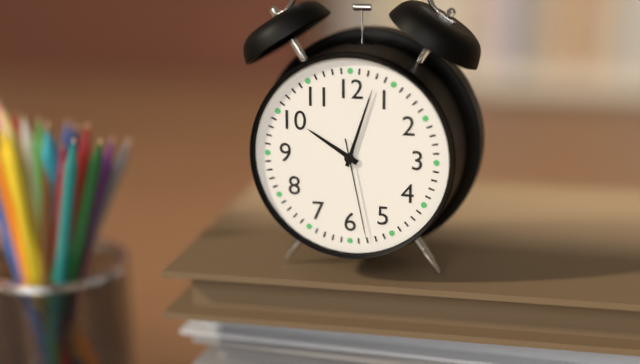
10:03:28
